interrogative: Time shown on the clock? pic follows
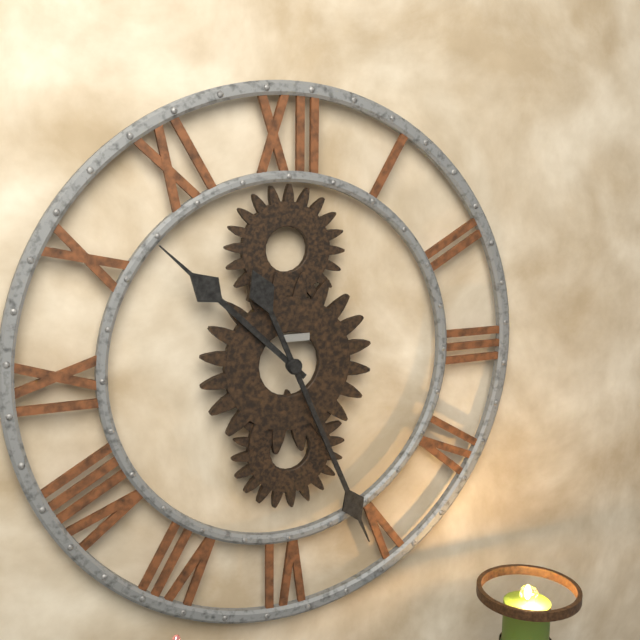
10:26
